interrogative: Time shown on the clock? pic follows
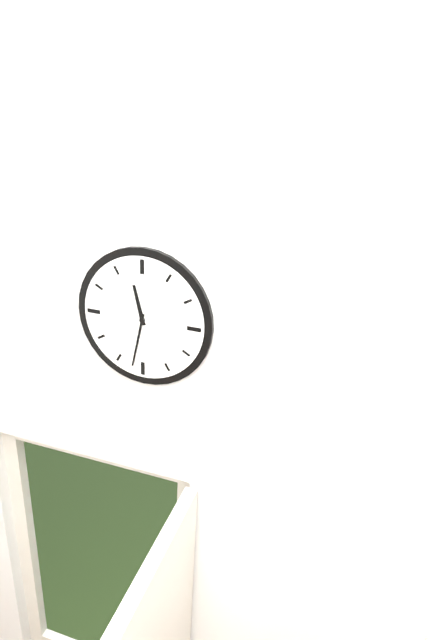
11:32
